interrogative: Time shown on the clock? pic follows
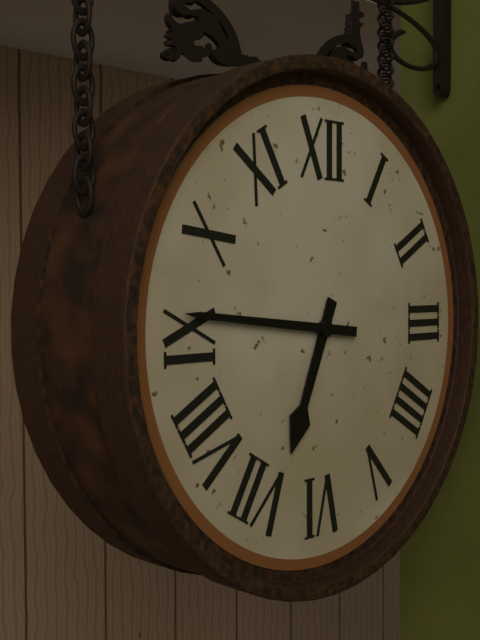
6:46
